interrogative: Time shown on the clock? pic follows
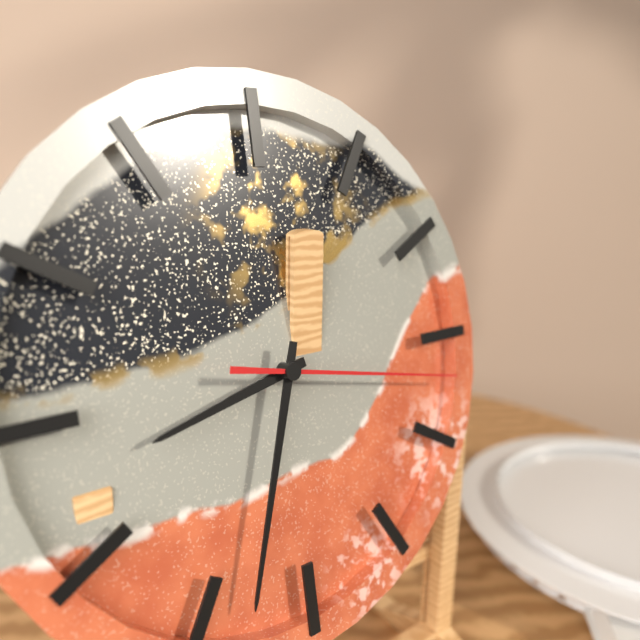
8:33:17
